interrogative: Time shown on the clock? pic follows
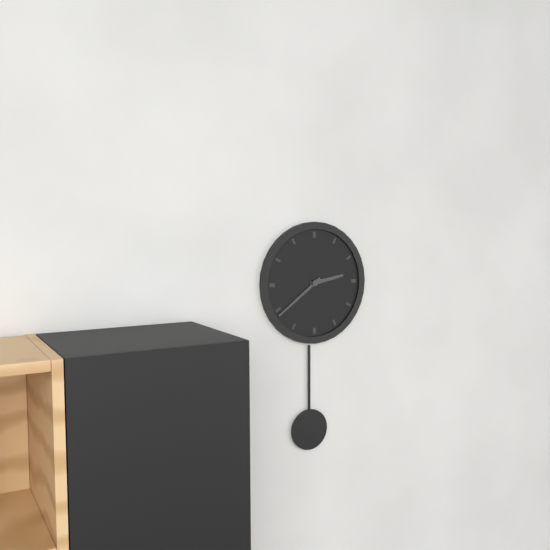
2:39
